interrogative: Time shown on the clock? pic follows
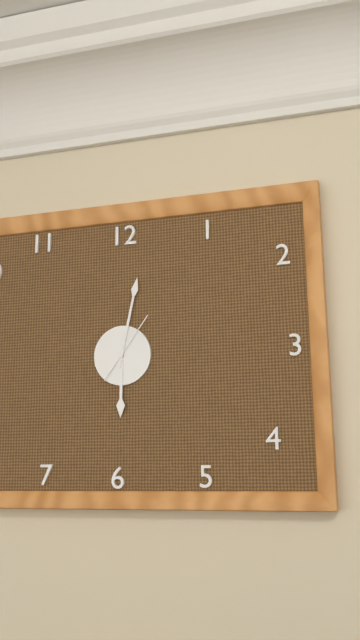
6:02:06
